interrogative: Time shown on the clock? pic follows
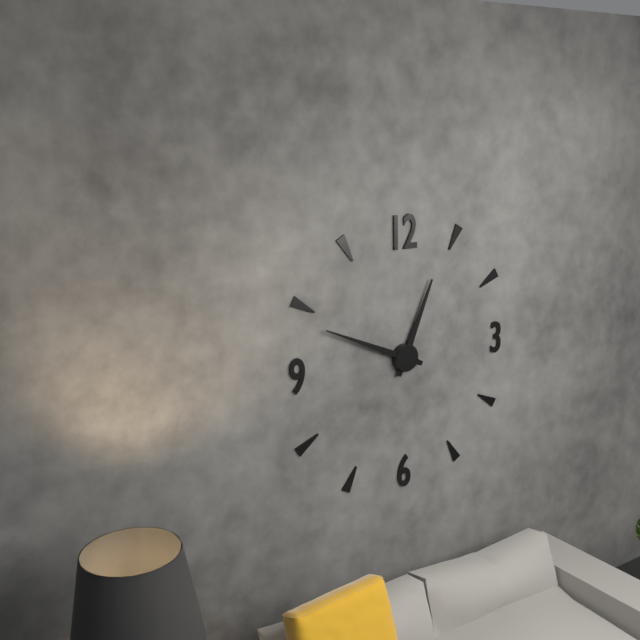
12:49
